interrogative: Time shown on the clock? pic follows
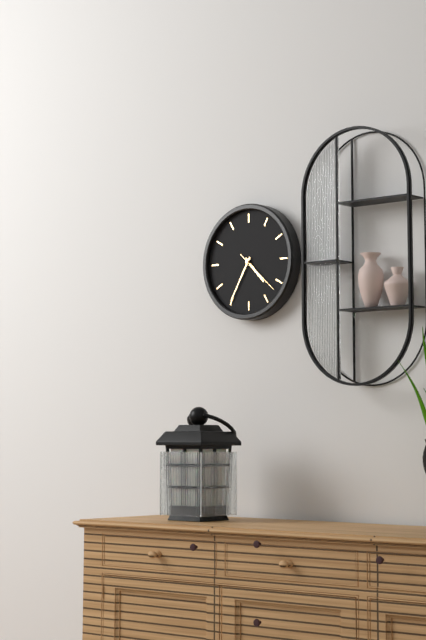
4:35
